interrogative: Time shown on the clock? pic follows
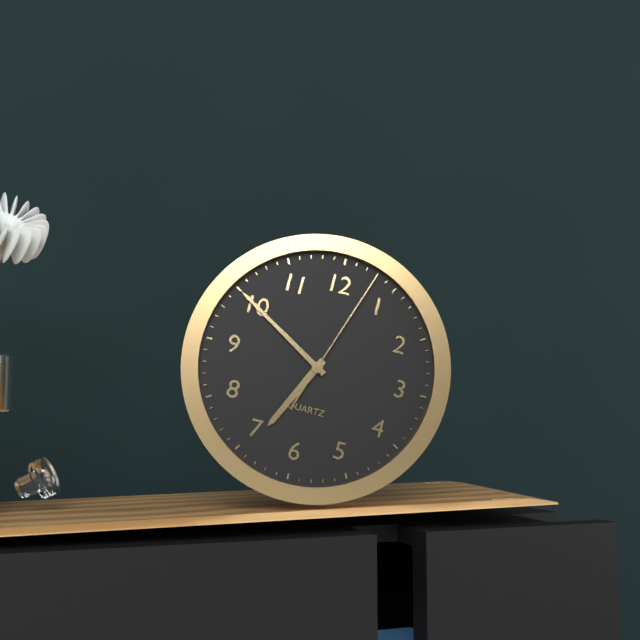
6:50:03
